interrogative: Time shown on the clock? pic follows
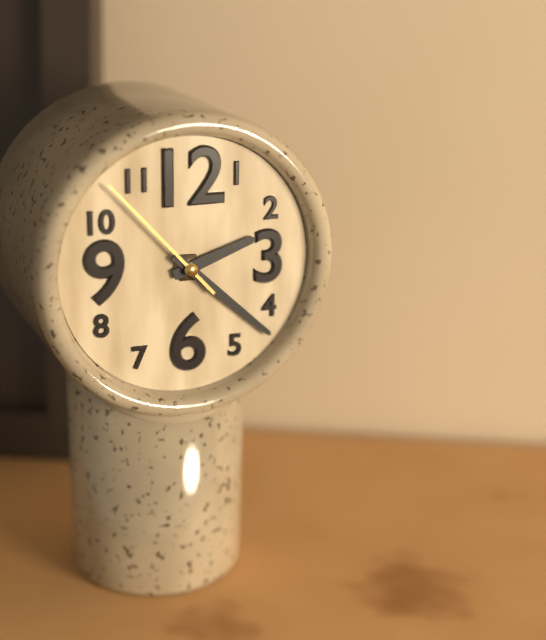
2:22:53
